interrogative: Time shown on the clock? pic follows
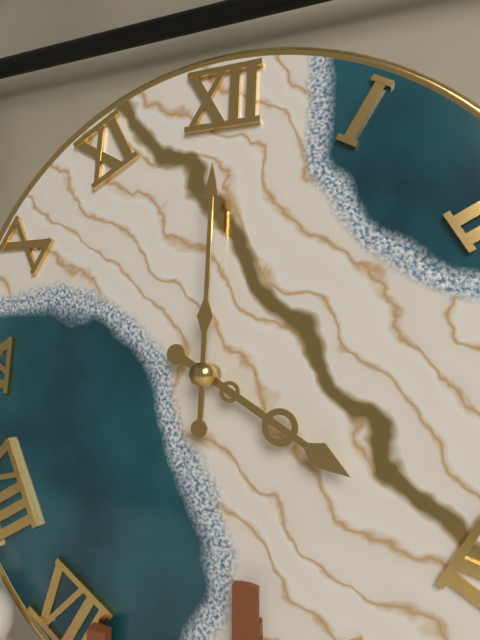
4:00
